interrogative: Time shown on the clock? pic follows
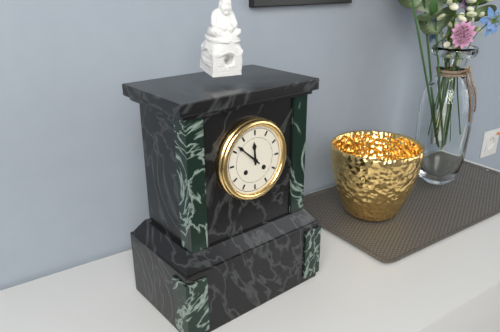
11:52
